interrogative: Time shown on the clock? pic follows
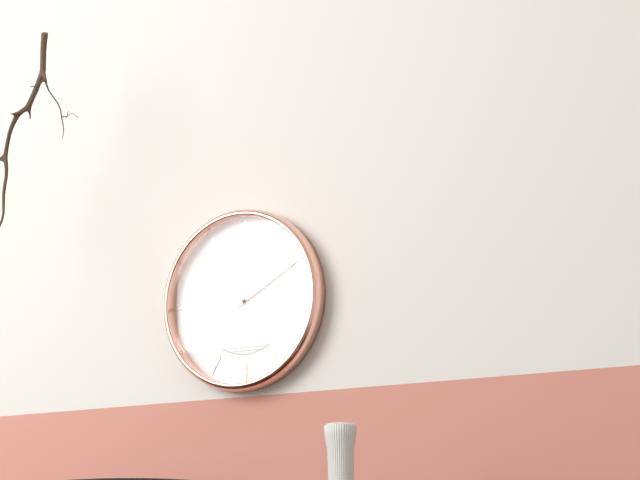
10:10
